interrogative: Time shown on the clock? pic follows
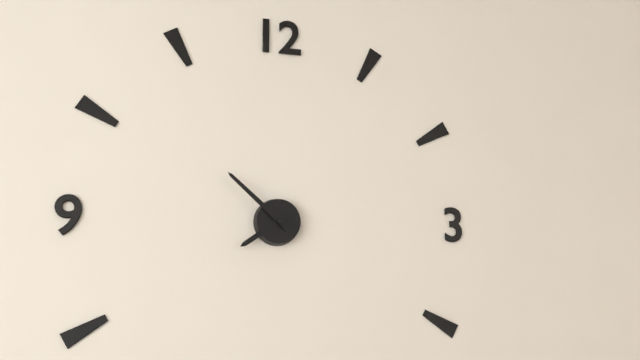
7:52
